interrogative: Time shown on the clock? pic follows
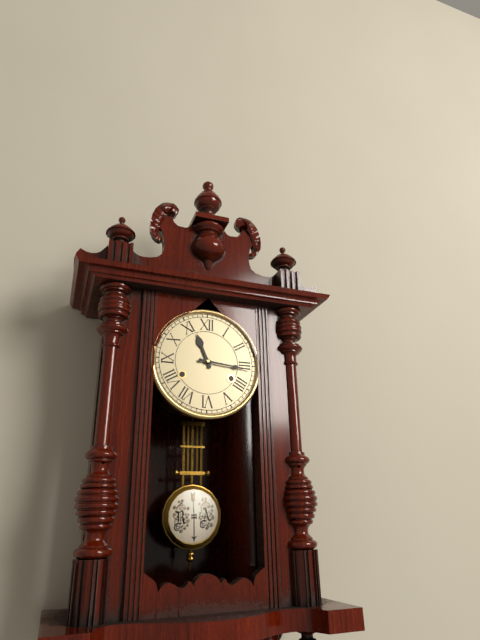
11:16
